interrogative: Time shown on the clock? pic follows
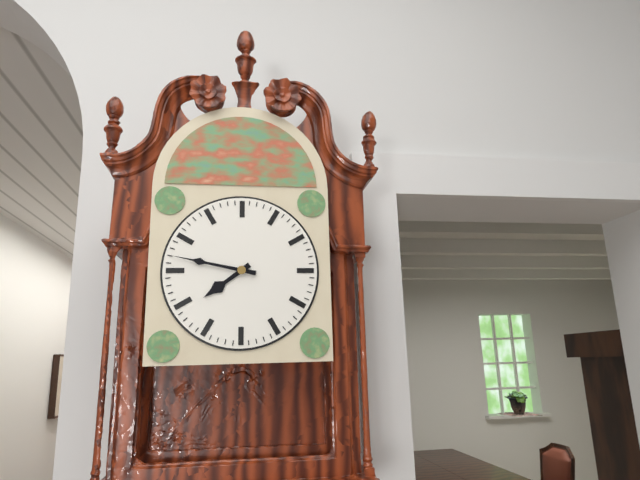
7:47
